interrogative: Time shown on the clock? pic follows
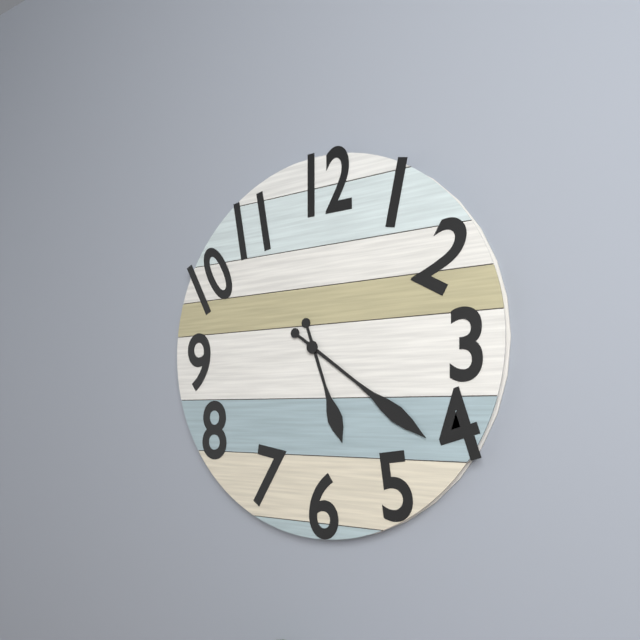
5:21
